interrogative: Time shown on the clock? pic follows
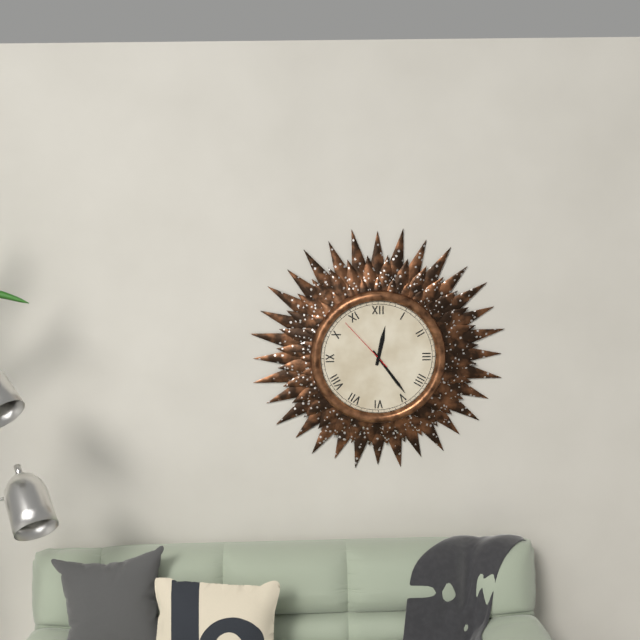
12:24:53
